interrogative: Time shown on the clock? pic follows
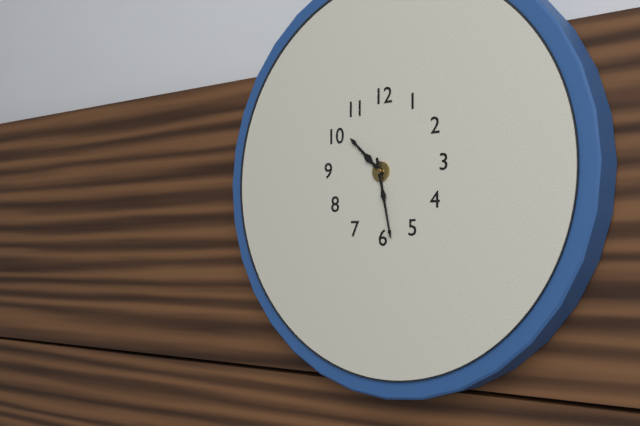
10:28
